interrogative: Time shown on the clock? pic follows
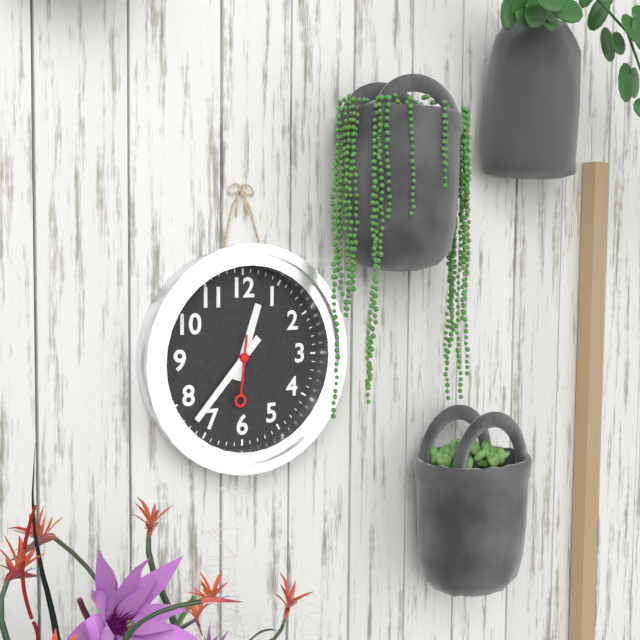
12:37:31
